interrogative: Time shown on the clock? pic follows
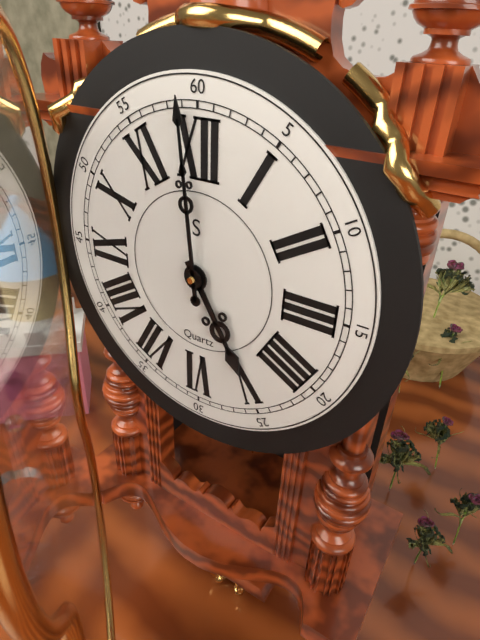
4:59
